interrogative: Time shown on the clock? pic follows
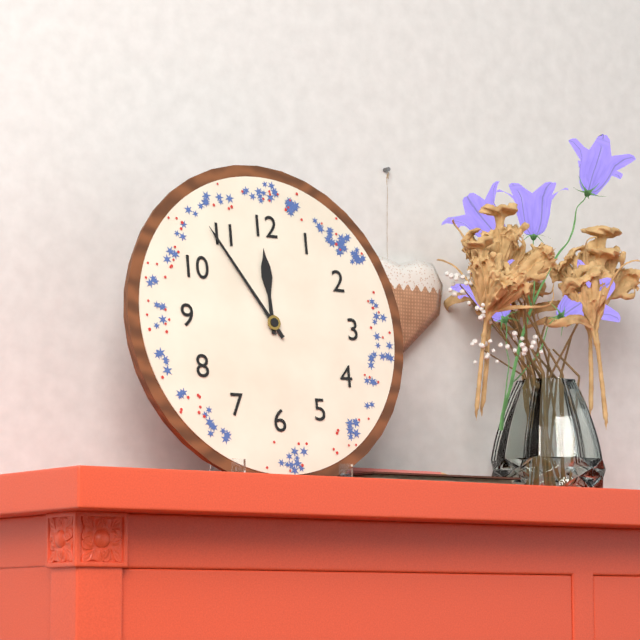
11:54
